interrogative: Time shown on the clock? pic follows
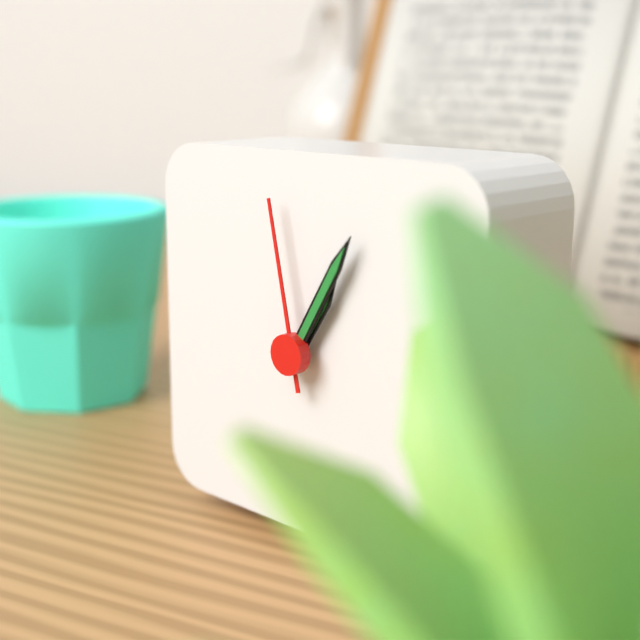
1:05:58
